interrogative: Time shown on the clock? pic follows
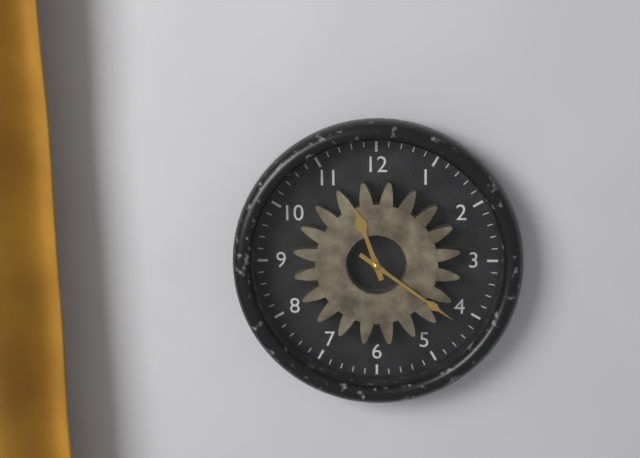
11:21
